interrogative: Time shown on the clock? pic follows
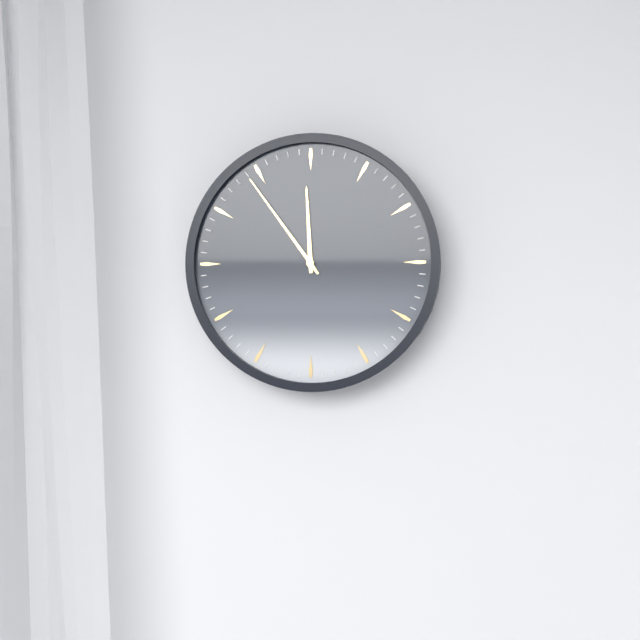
11:54
